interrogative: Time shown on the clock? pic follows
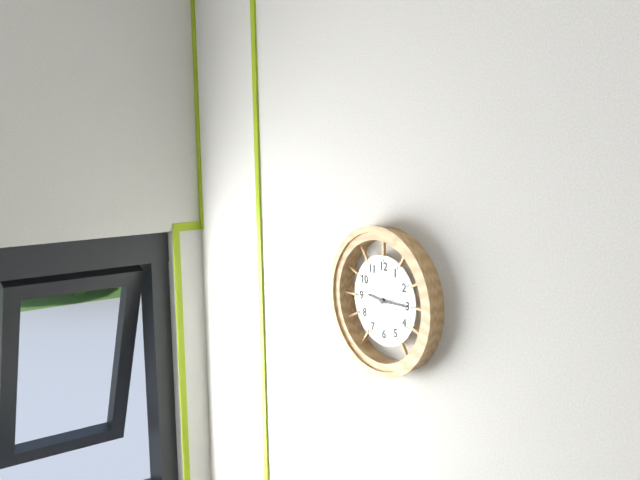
9:15
